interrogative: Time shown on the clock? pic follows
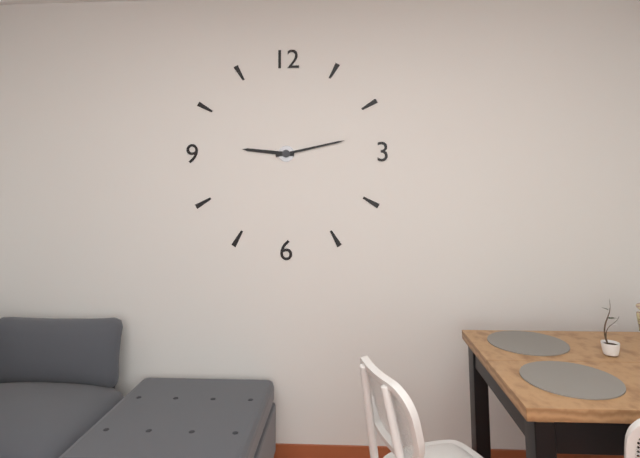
9:13
